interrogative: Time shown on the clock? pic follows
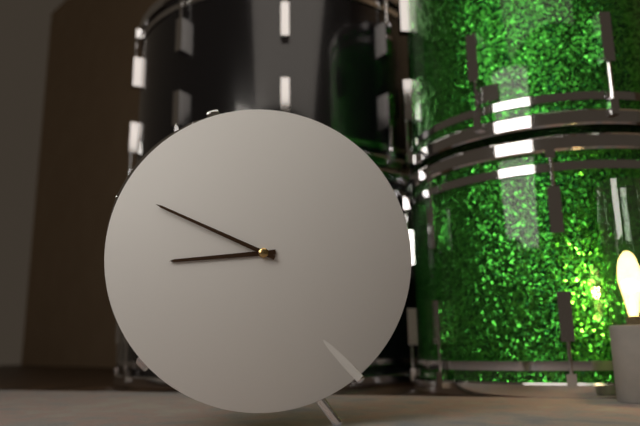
8:49
